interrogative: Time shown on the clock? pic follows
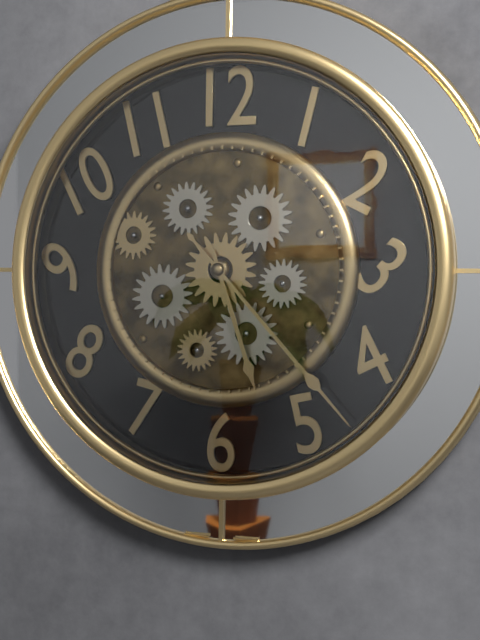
5:23
